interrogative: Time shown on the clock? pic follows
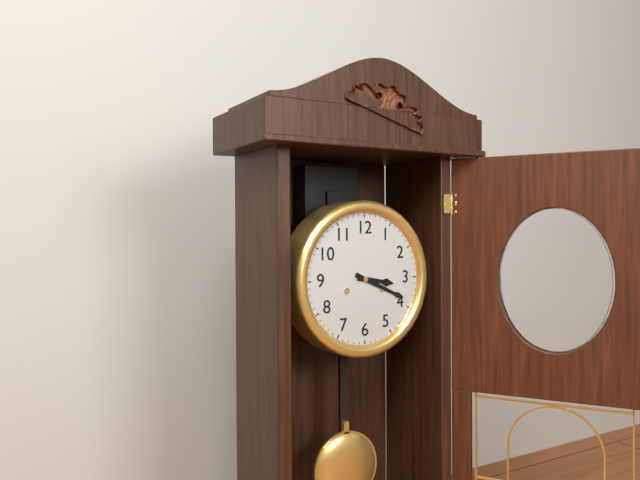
3:19
